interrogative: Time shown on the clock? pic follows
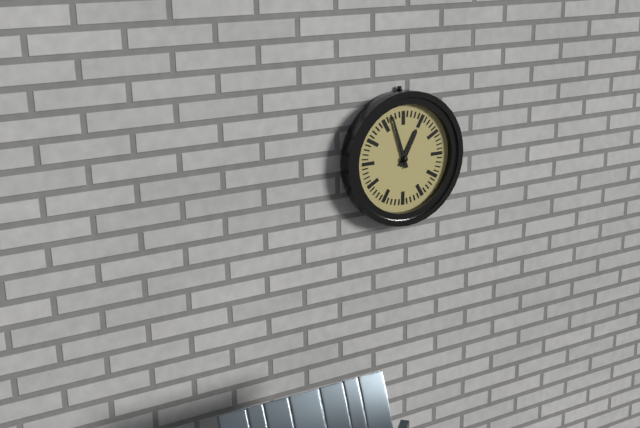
12:57
